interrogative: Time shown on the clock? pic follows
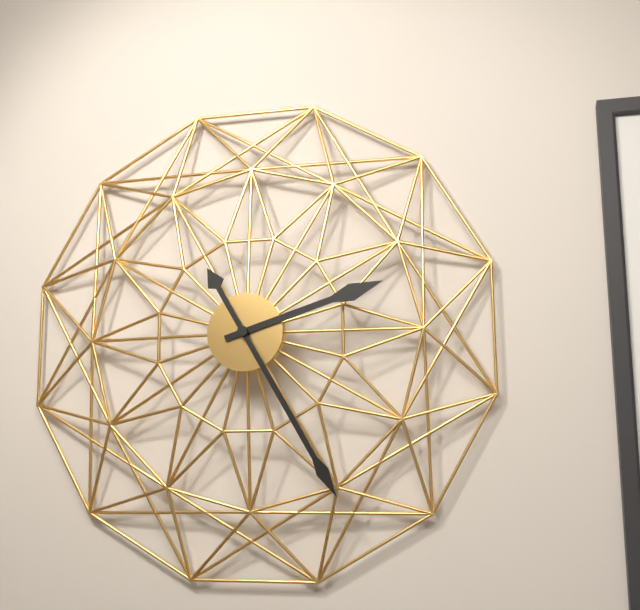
2:25
